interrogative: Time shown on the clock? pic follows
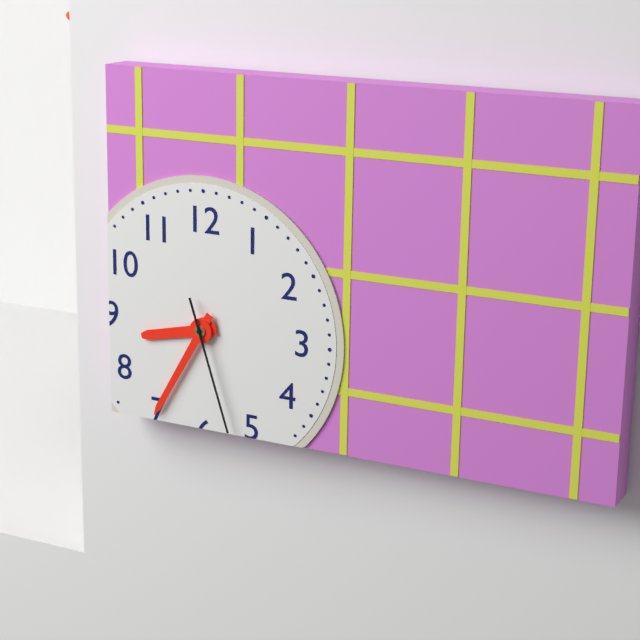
8:35:27
